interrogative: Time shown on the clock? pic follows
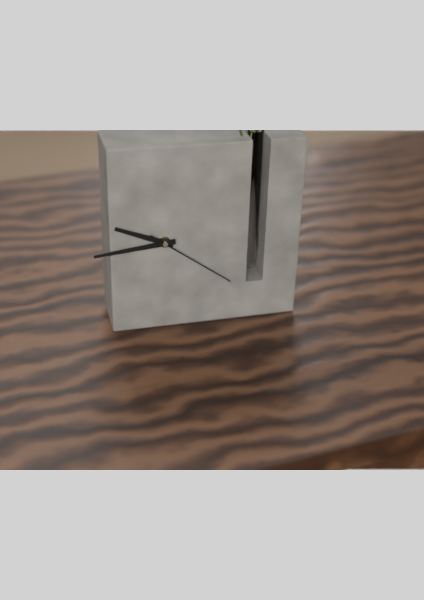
9:44:21
